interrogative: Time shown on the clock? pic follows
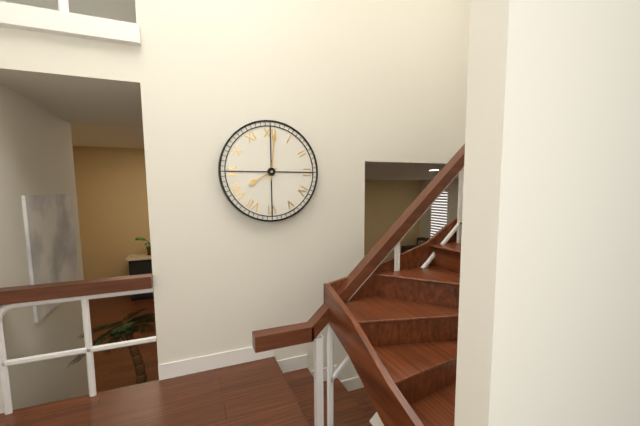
8:01
